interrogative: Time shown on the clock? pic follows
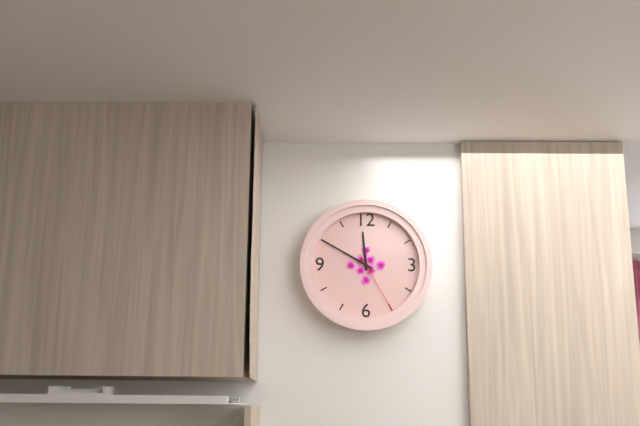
11:50:25
